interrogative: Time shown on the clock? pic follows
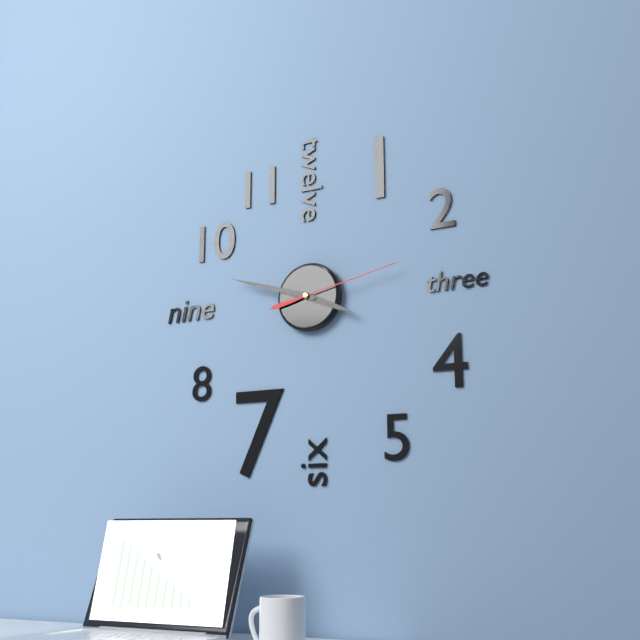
3:48:13
